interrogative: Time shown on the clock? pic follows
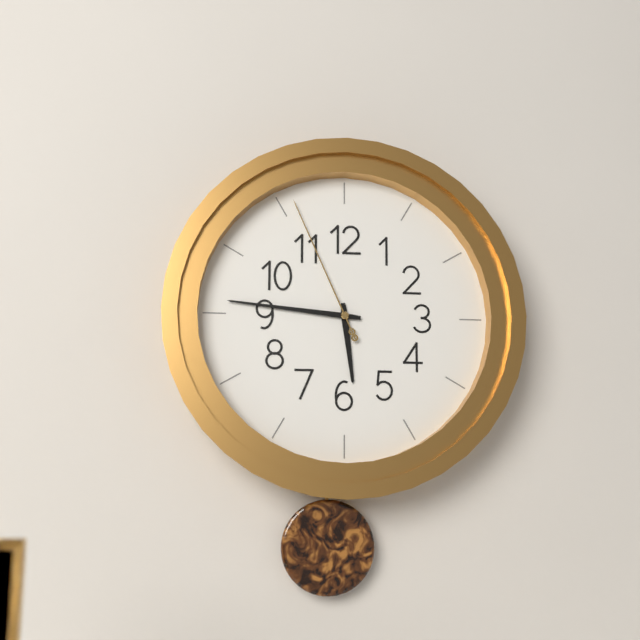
5:46:56
